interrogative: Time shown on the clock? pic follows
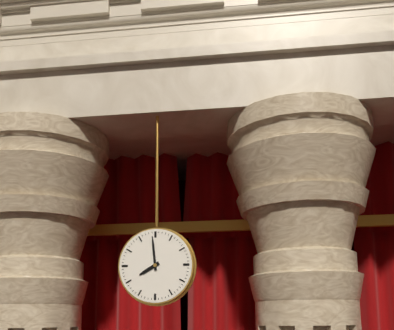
7:59
